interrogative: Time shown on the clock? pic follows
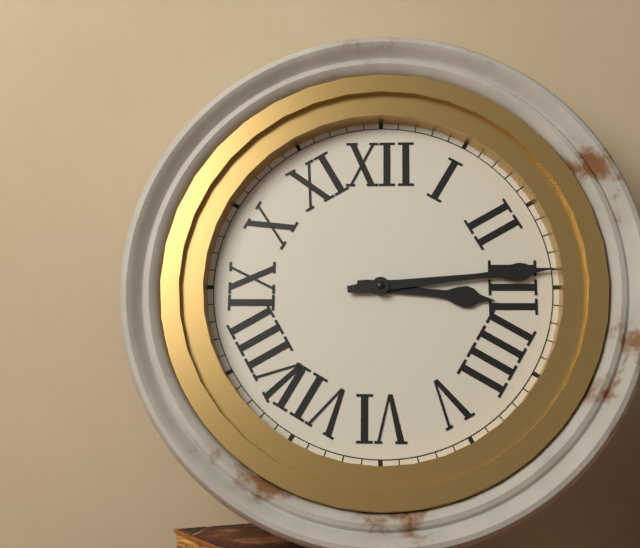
3:14
